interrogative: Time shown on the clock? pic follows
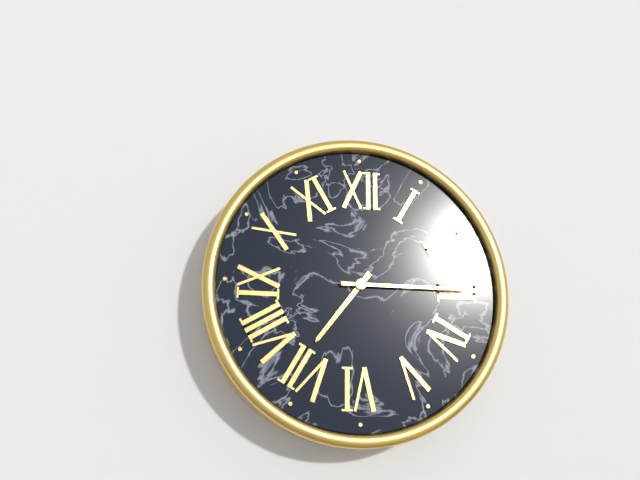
7:15
